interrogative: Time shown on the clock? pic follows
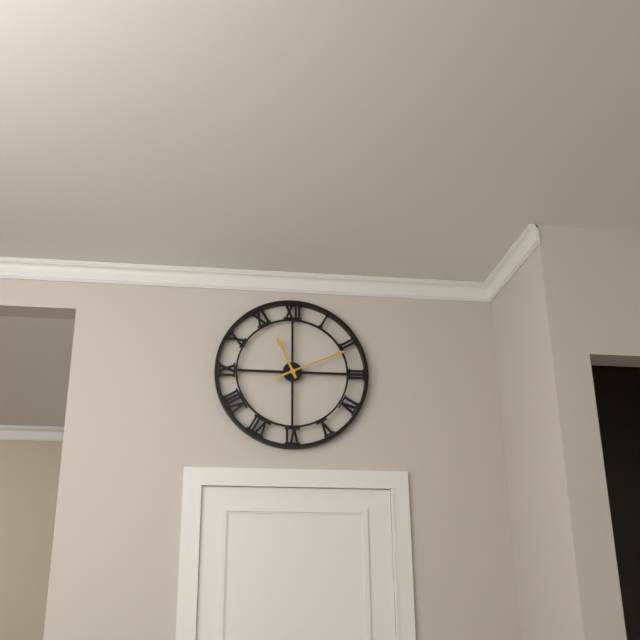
11:11
